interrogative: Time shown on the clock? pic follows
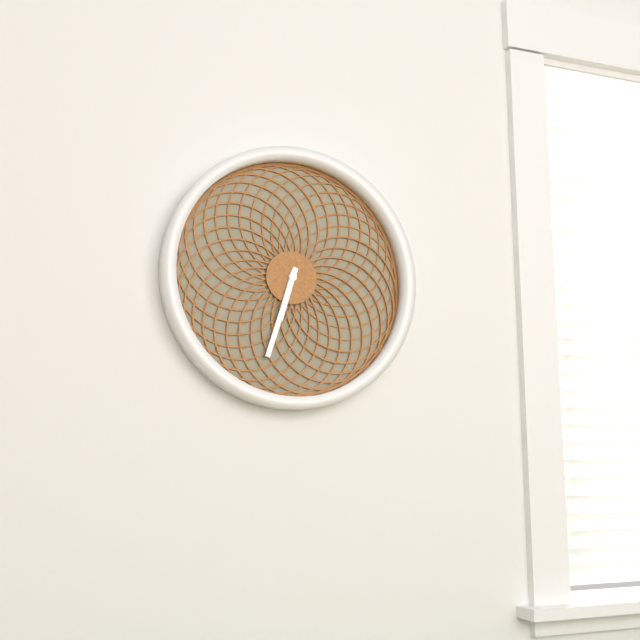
6:33
